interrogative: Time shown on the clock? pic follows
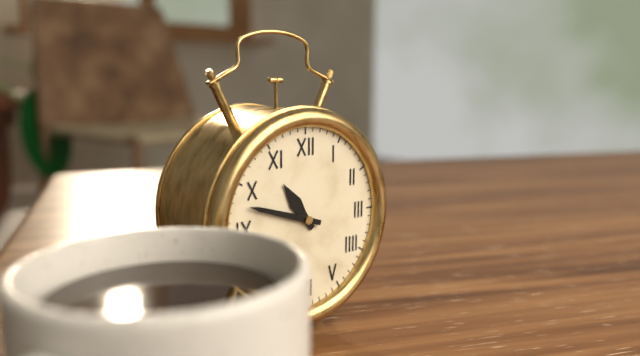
10:48
